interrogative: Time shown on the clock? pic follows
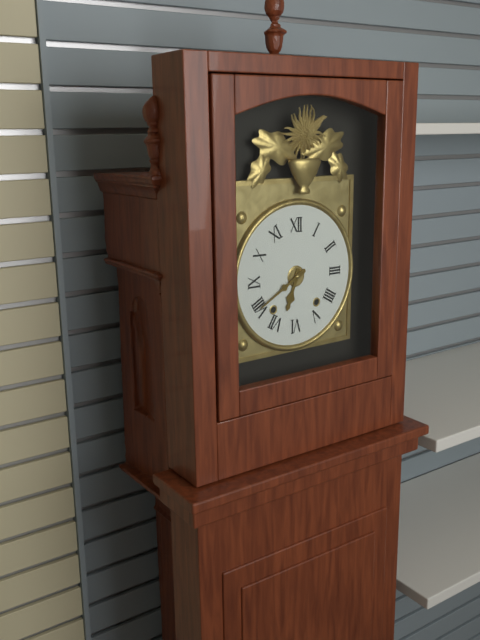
6:40
